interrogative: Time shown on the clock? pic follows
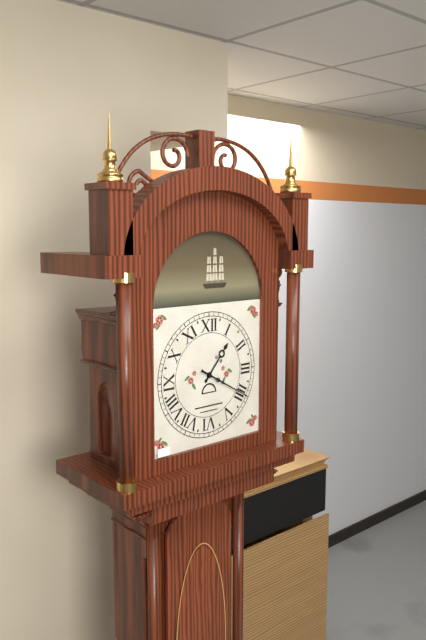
1:20
